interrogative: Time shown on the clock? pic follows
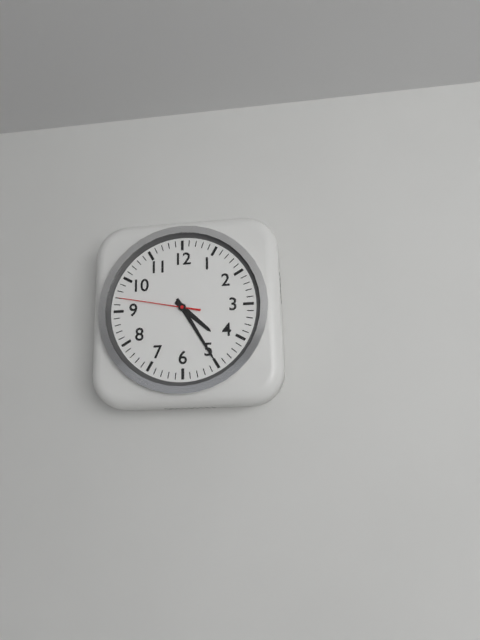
4:25:47
